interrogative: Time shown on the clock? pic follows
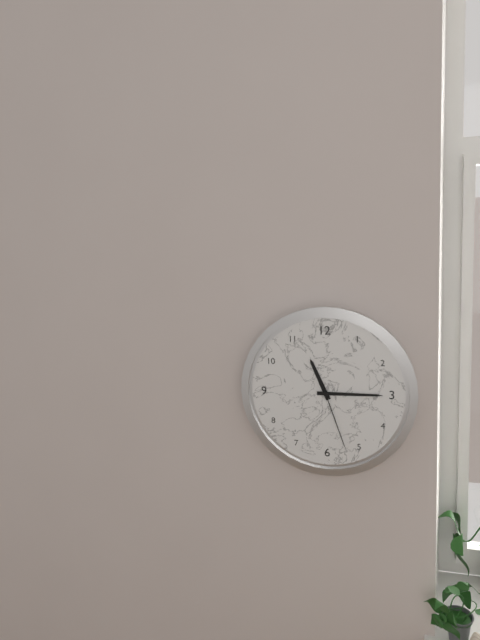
11:15:27
